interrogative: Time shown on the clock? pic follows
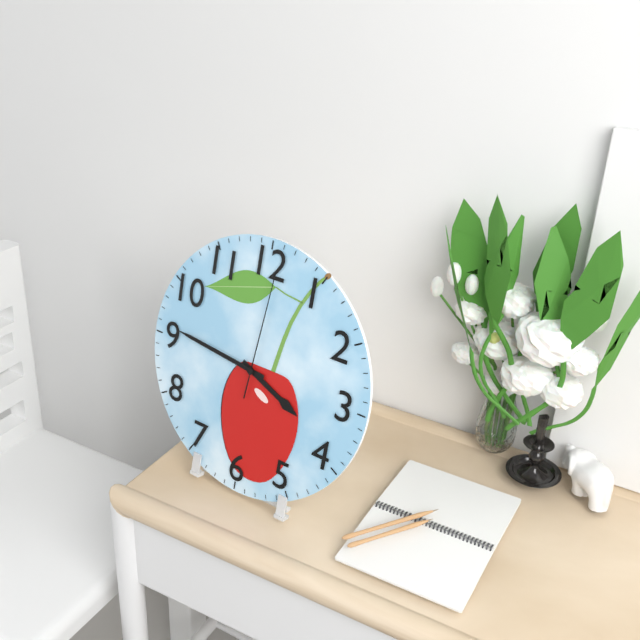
3:46:01
